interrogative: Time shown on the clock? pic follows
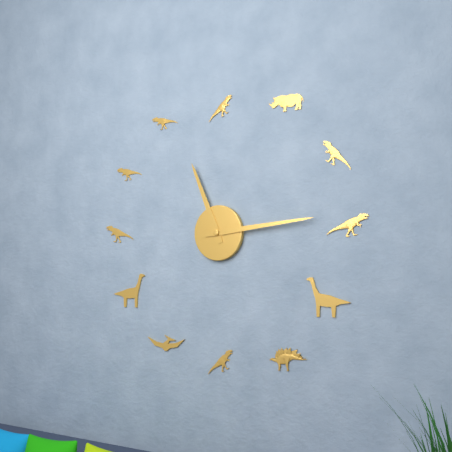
11:14
